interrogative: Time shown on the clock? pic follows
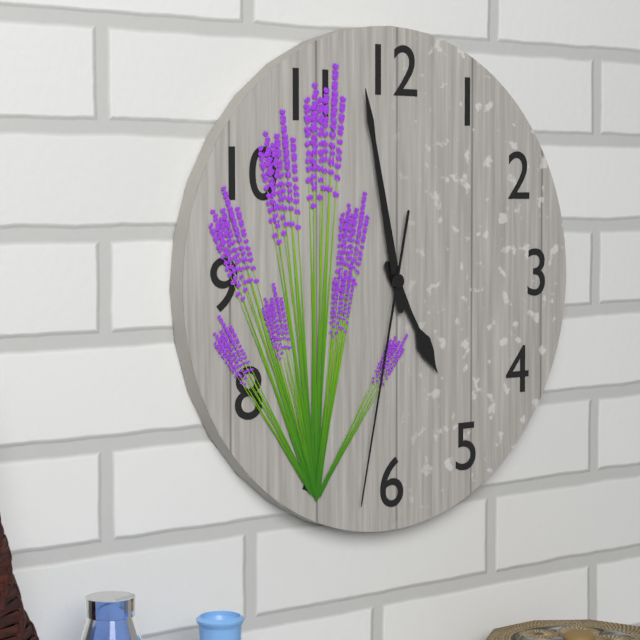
4:58:32
